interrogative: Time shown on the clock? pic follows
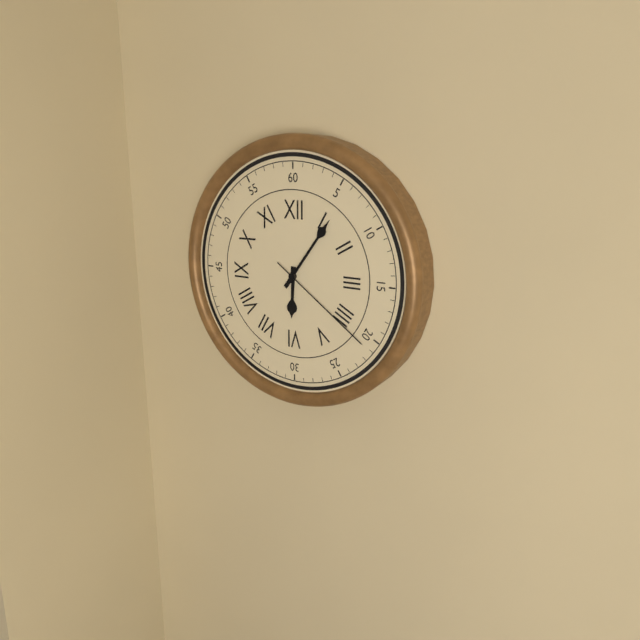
6:06:21
